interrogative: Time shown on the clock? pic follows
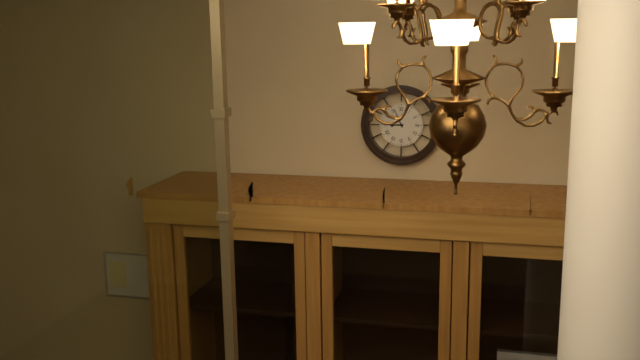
8:56
